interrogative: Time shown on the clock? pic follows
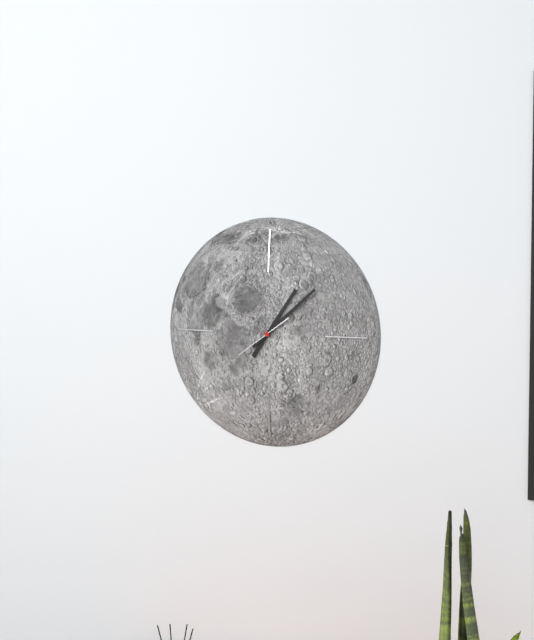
1:08
